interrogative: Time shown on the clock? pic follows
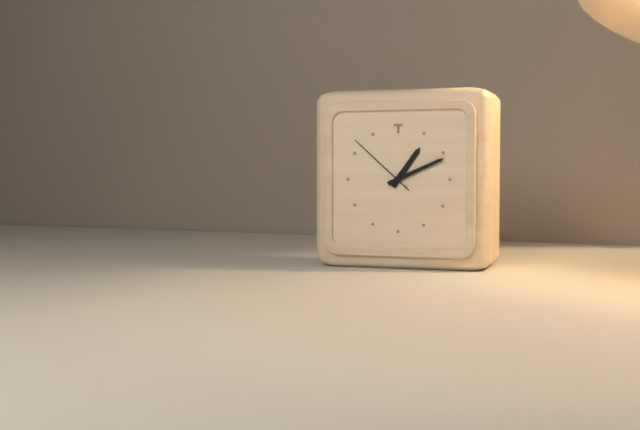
1:11:52
